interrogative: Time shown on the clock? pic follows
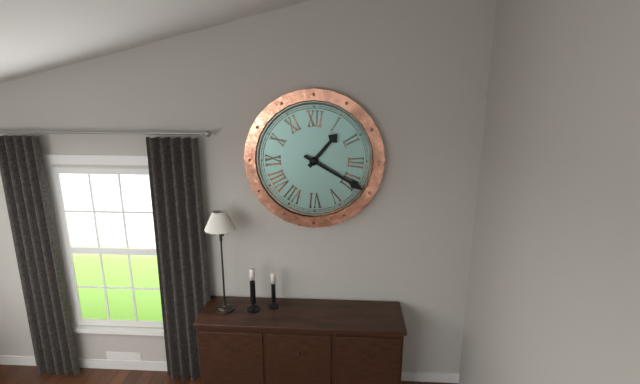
1:20
